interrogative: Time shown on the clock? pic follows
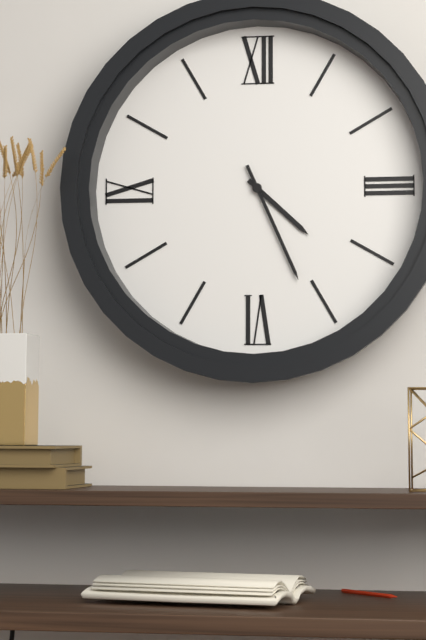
4:26
